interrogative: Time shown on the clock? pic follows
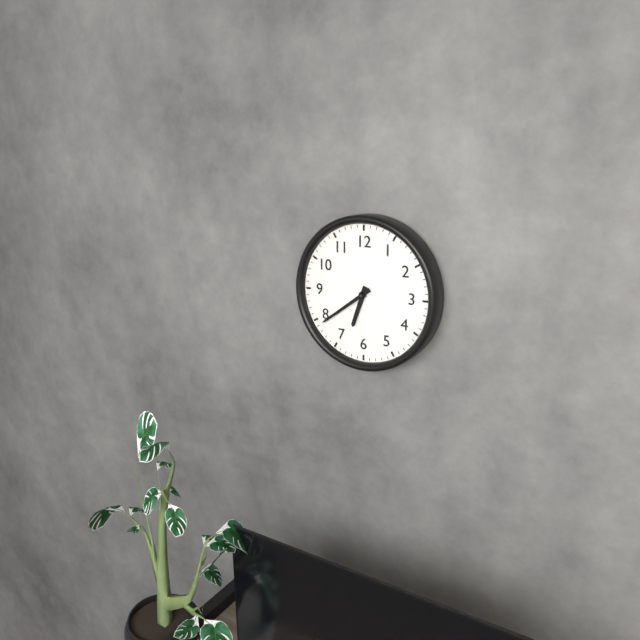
6:39
